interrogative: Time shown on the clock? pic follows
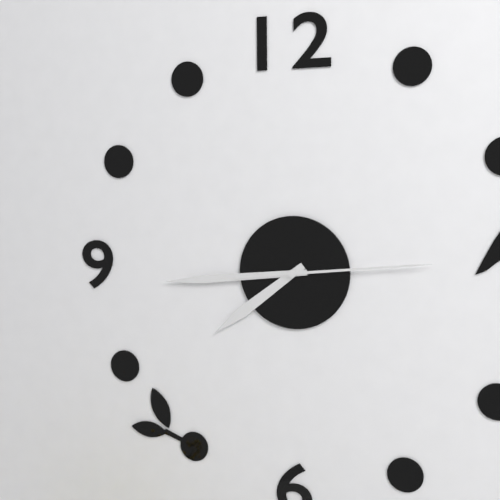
7:44:14
